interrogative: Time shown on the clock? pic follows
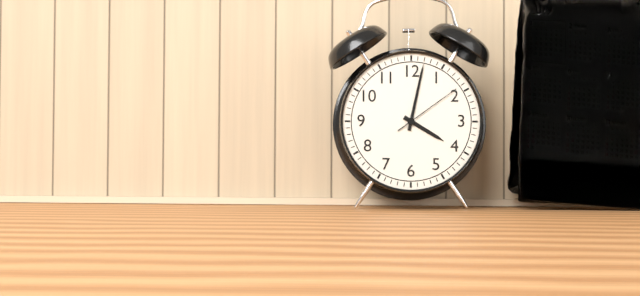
4:02:09
